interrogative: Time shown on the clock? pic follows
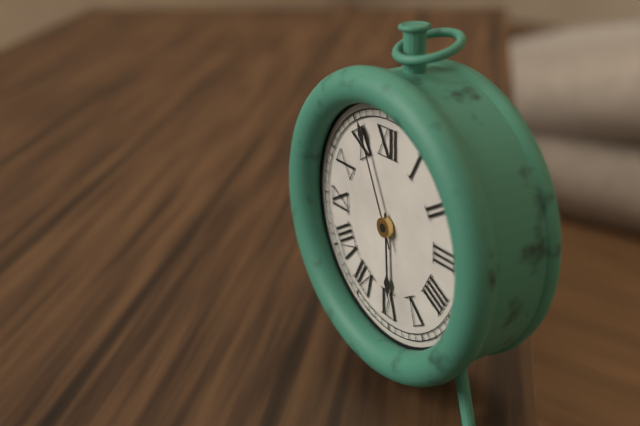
5:56
